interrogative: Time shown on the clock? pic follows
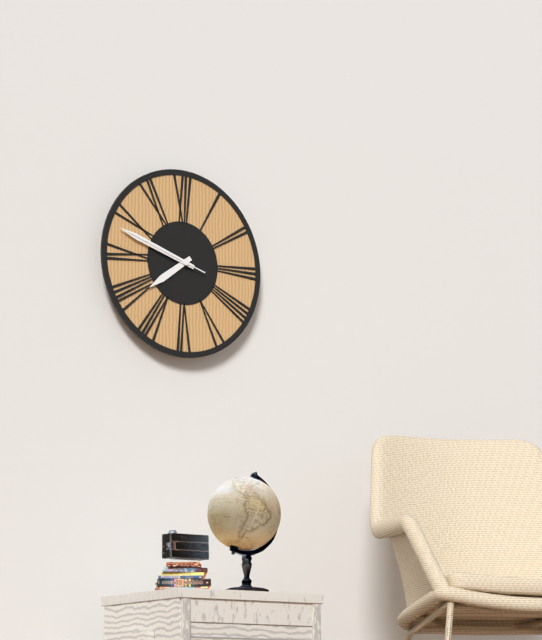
7:48:48
